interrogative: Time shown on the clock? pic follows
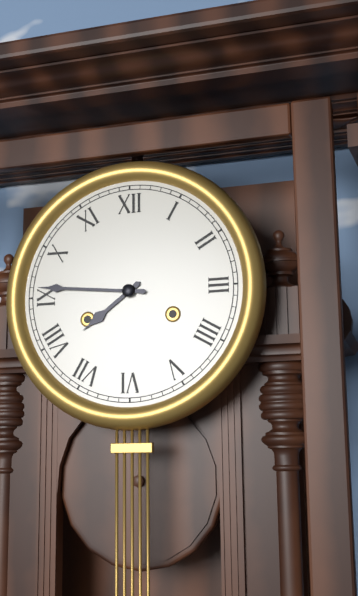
7:46
